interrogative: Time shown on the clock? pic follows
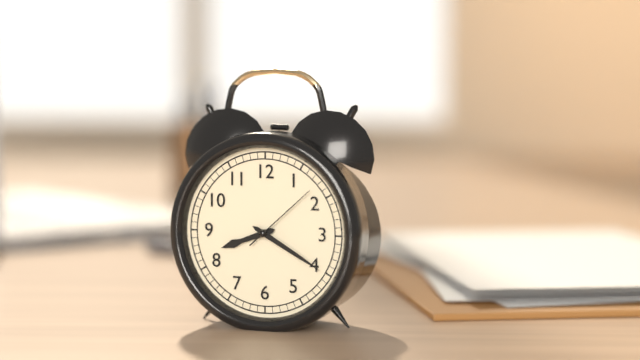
8:20:08
